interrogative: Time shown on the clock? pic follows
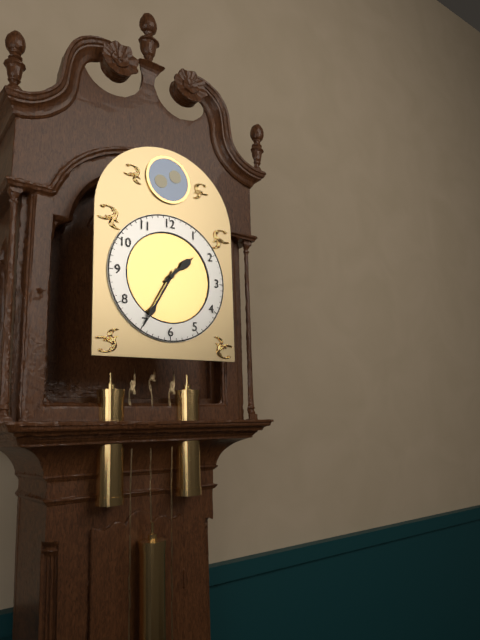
1:35
